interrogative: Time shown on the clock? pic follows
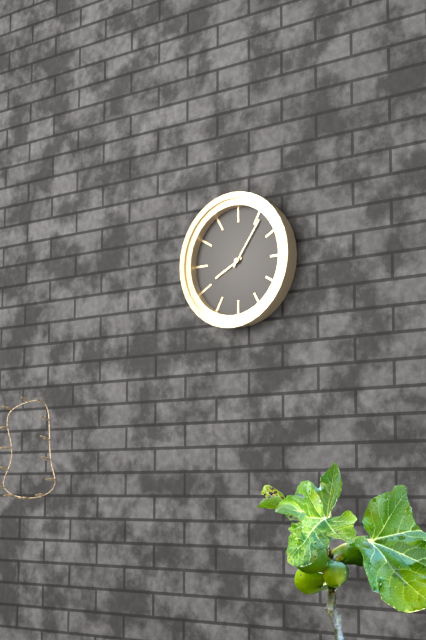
8:06
